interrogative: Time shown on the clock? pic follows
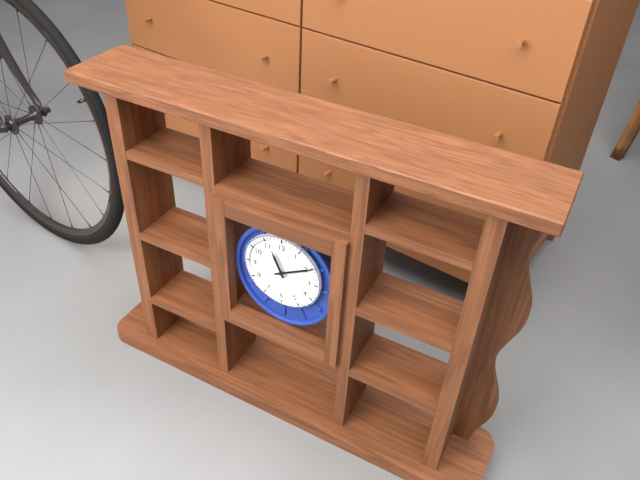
11:10
